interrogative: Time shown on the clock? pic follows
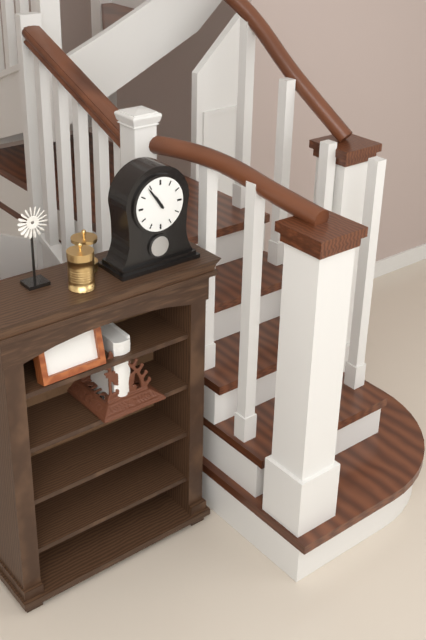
10:54
